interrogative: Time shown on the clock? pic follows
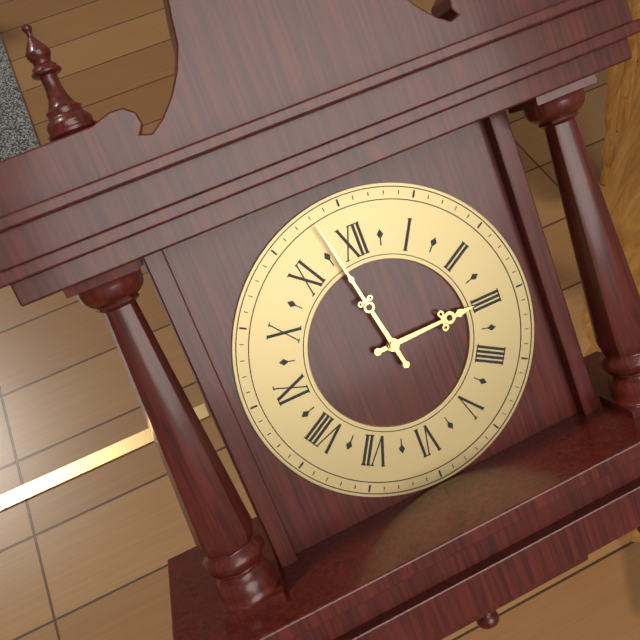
2:58
